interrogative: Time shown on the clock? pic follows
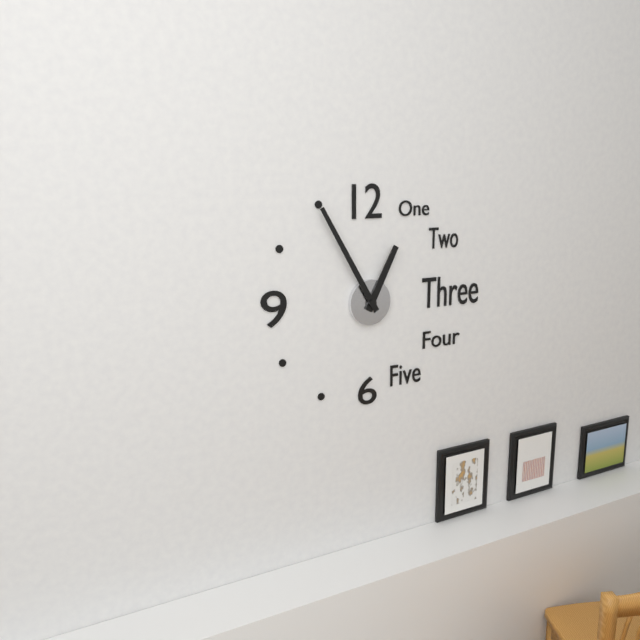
12:55
